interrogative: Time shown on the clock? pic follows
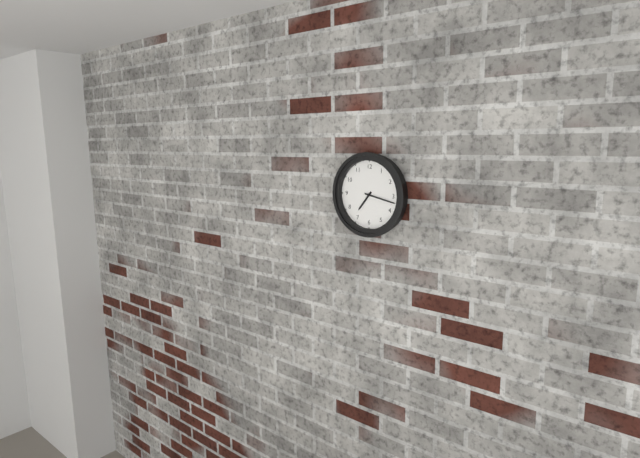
7:17
